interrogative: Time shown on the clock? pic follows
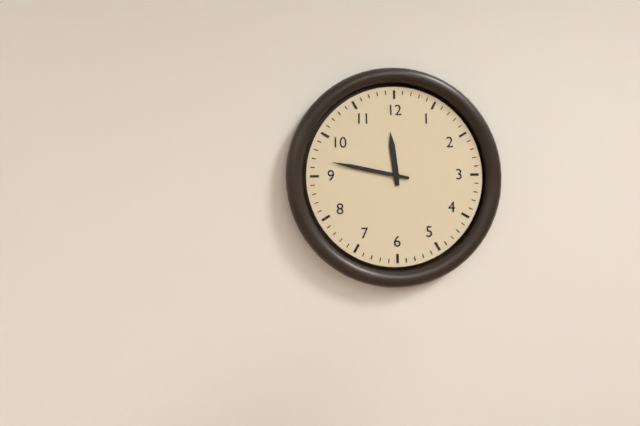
11:47
